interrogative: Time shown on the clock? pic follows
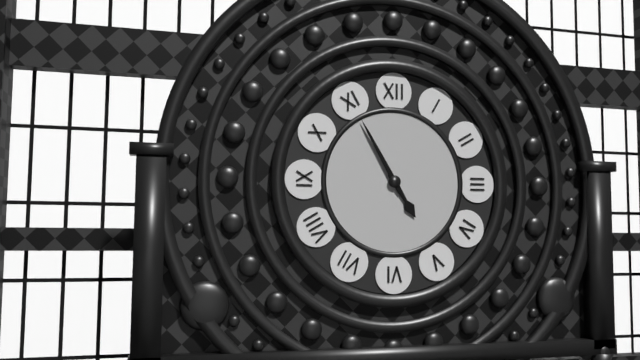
4:55
